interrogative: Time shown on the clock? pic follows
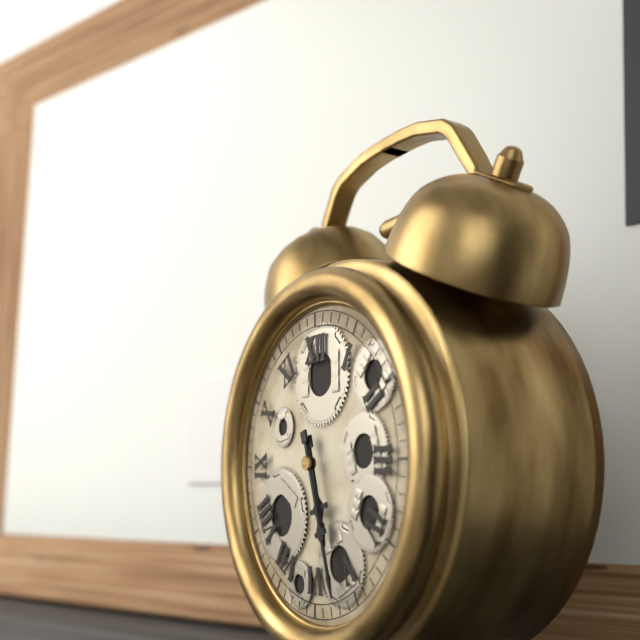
5:27
